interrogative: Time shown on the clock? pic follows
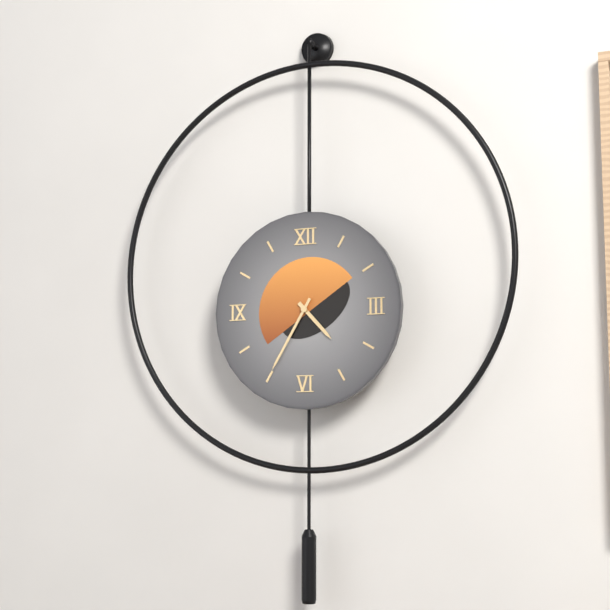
4:35
